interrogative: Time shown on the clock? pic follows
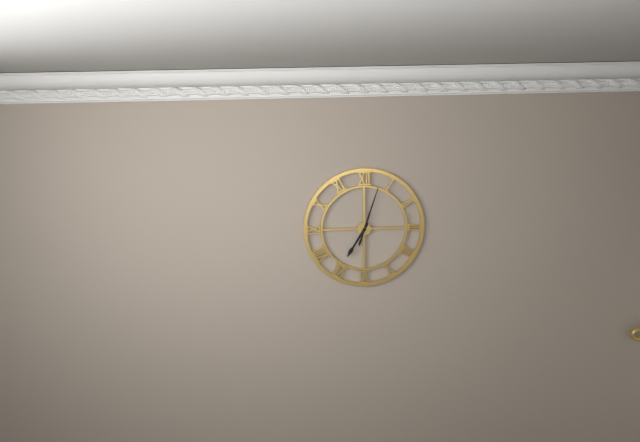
7:03
